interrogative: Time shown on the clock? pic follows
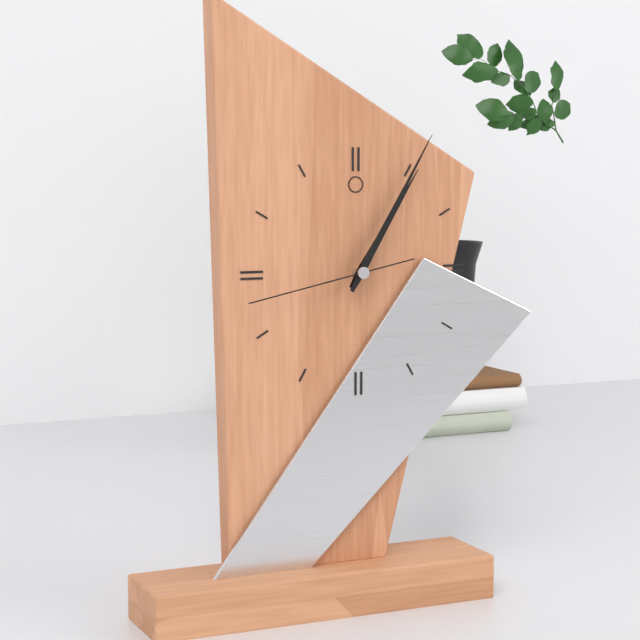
1:05:43
